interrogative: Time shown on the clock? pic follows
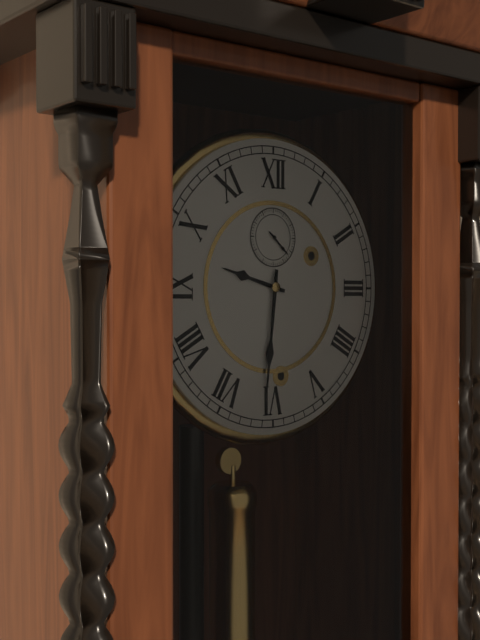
9:31
